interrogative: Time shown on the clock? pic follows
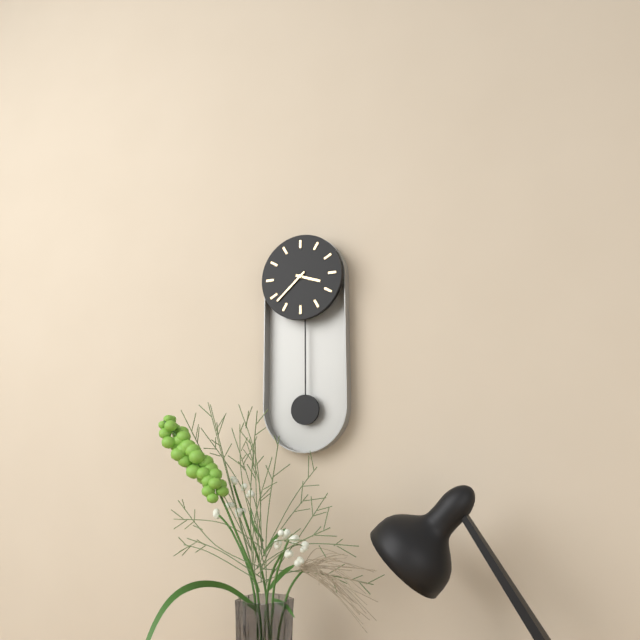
3:38
